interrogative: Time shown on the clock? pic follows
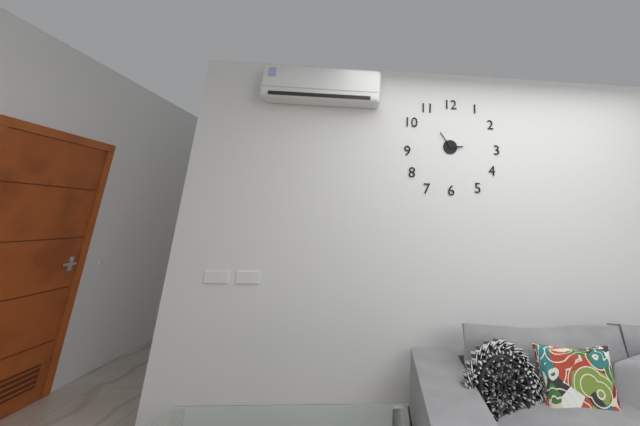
2:54
